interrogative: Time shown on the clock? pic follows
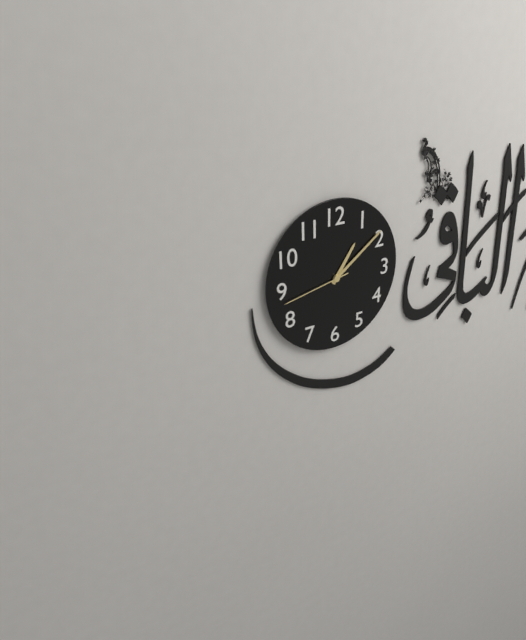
1:09:43
